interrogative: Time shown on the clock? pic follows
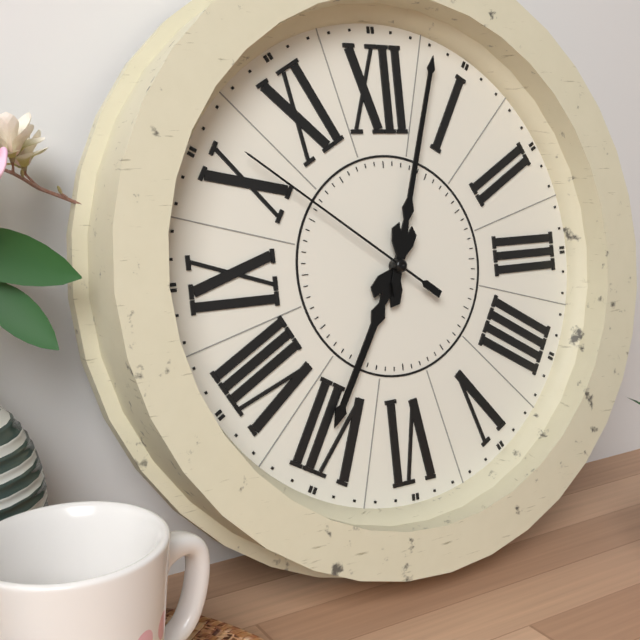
7:03:51
